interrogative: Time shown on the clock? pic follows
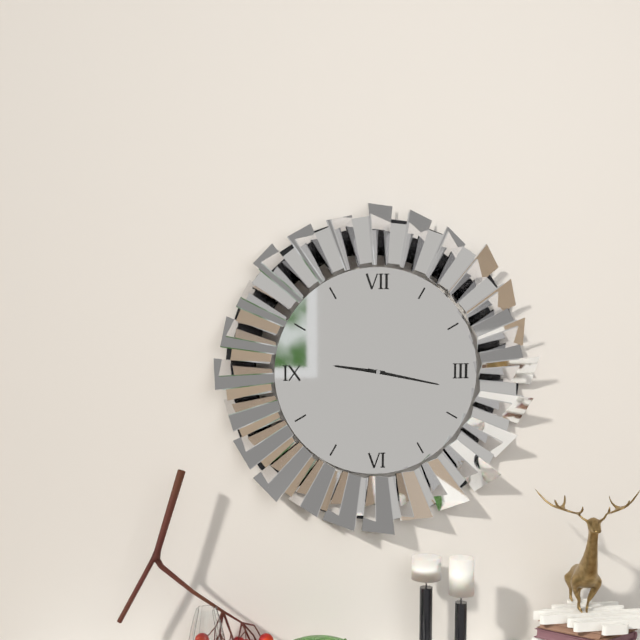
9:17
